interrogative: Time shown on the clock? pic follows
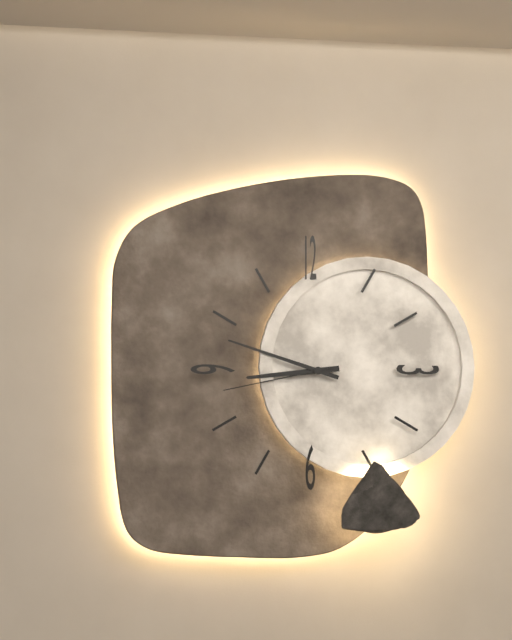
8:48:43
